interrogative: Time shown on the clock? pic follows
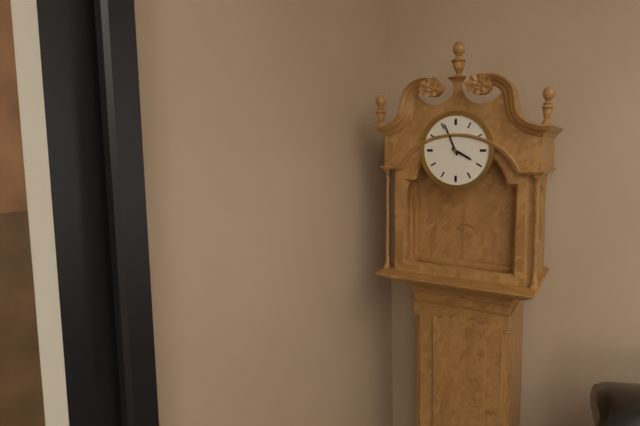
3:56
